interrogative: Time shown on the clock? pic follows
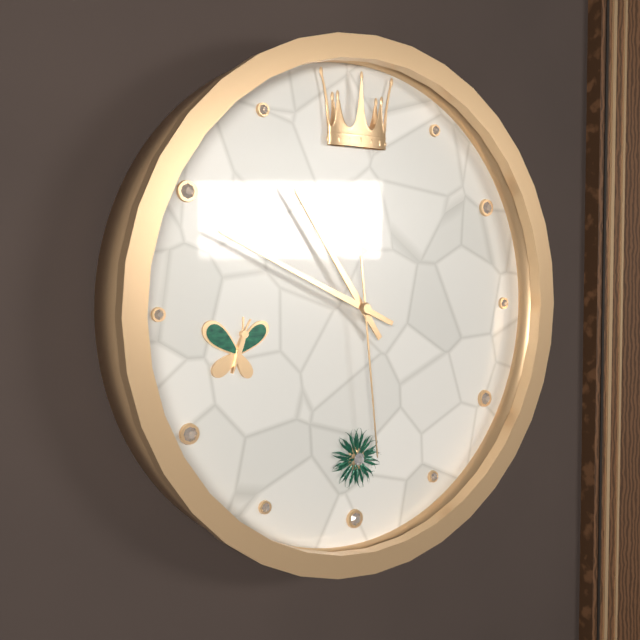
10:49:29
